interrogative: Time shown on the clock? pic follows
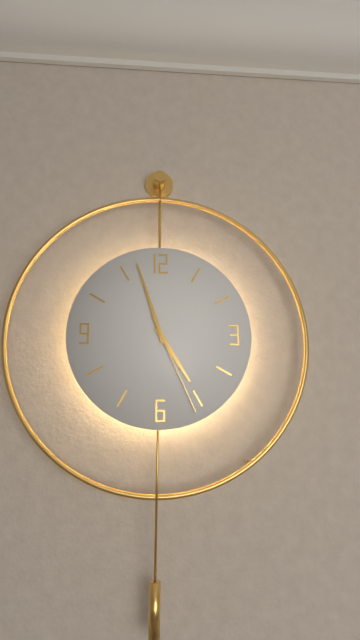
4:57:26
